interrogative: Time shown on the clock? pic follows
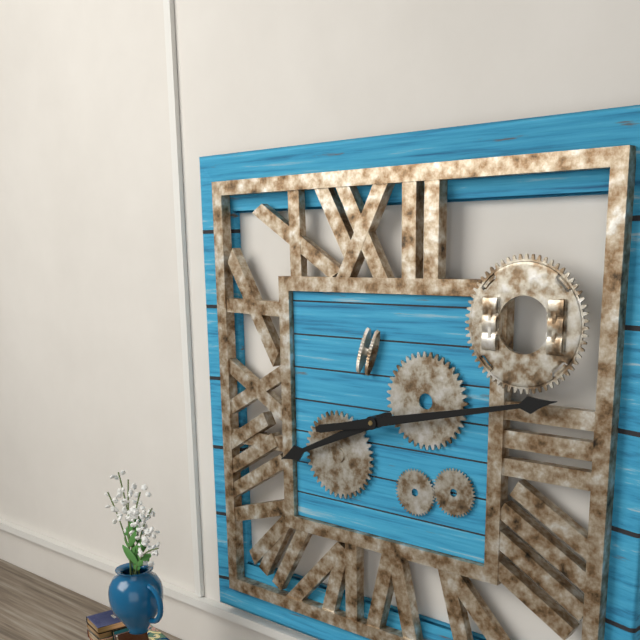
8:13
